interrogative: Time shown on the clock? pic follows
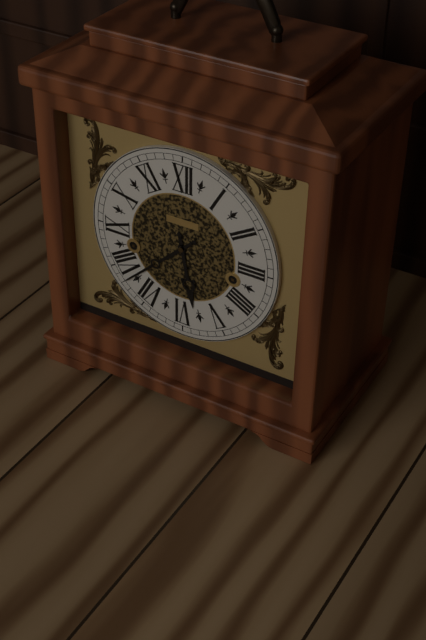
5:38
